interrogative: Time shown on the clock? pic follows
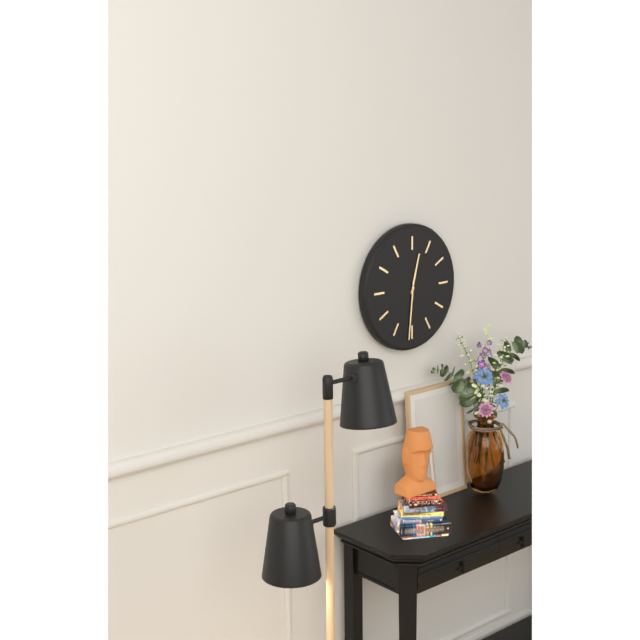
12:31
